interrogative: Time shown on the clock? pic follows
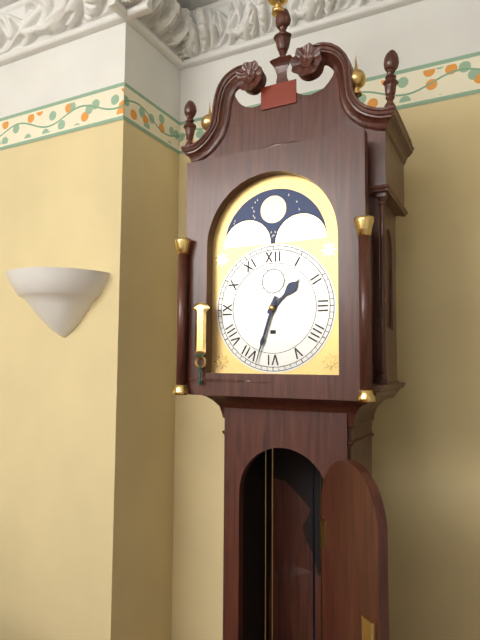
1:33
